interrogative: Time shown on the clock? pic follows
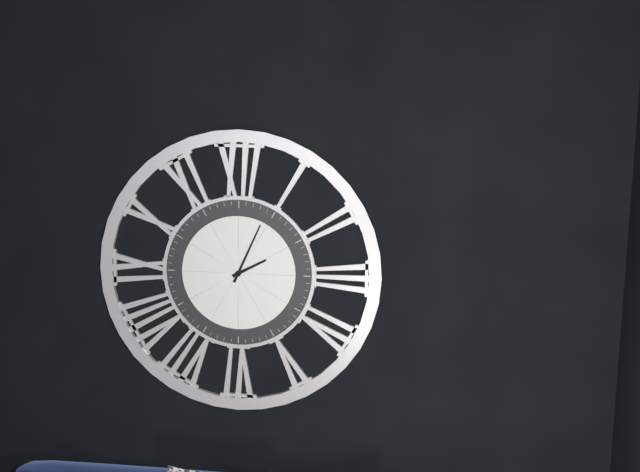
2:04
